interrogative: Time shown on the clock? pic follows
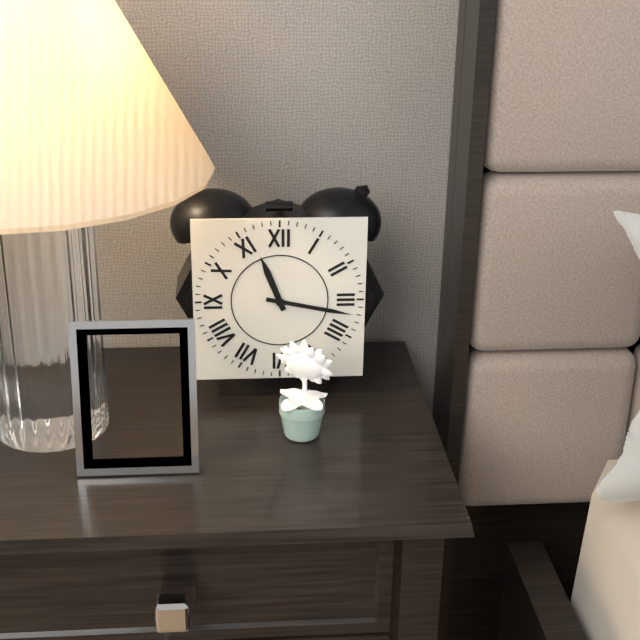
11:17
